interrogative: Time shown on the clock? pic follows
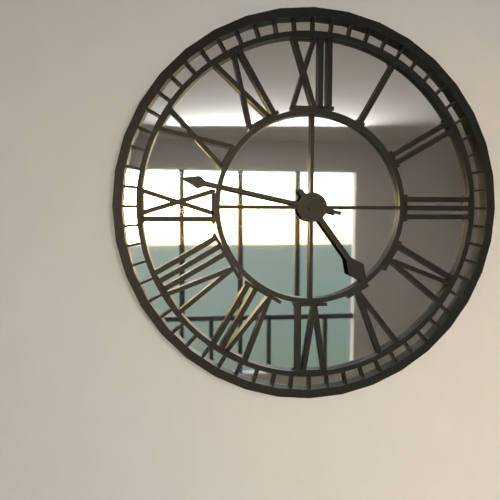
4:47
